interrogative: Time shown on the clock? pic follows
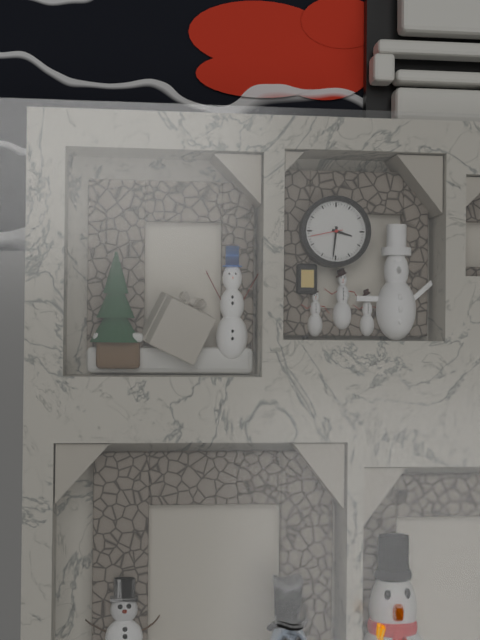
3:31
